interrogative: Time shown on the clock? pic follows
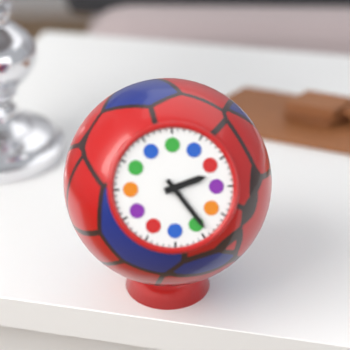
2:24
